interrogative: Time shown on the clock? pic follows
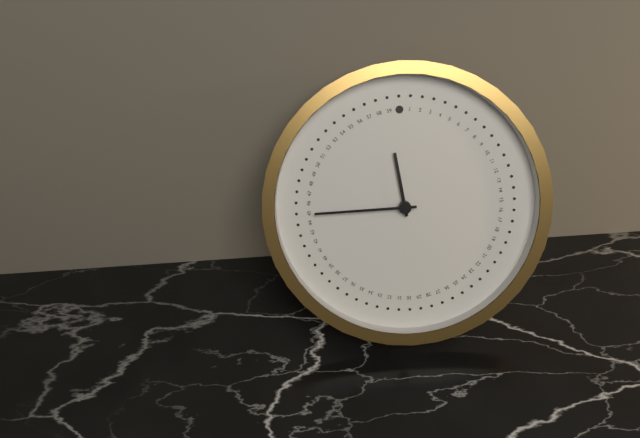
11:45
